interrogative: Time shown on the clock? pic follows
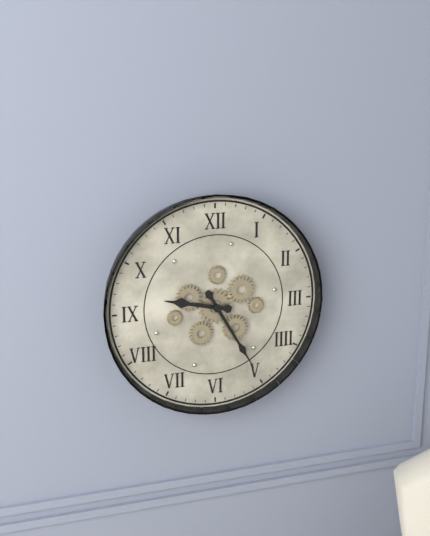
9:25
